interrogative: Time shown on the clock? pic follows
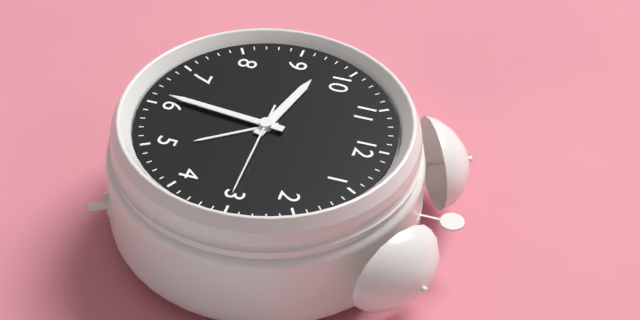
9:31:15
